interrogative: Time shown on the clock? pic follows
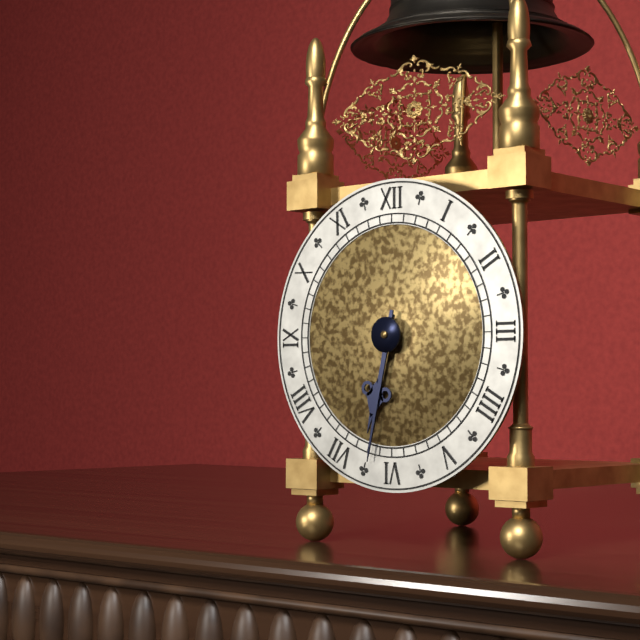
6:32
